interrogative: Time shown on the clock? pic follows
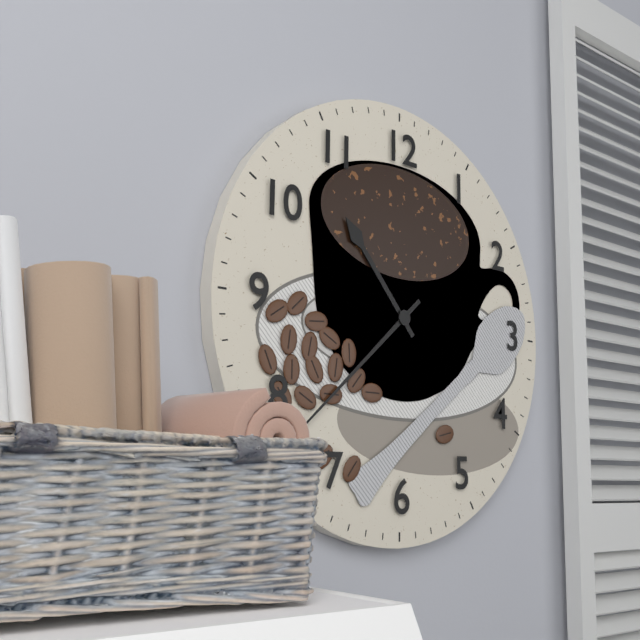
10:38
